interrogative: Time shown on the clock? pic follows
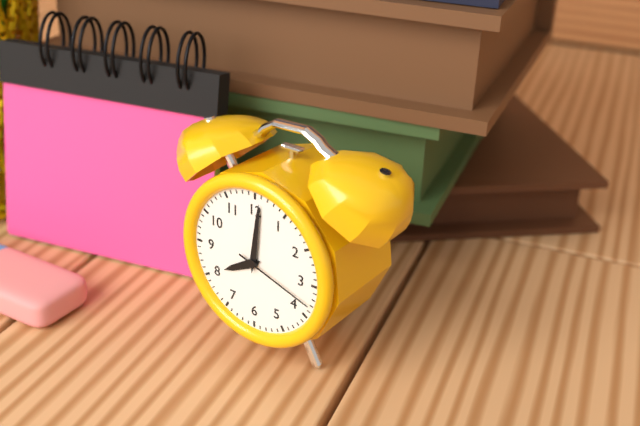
8:01:18
